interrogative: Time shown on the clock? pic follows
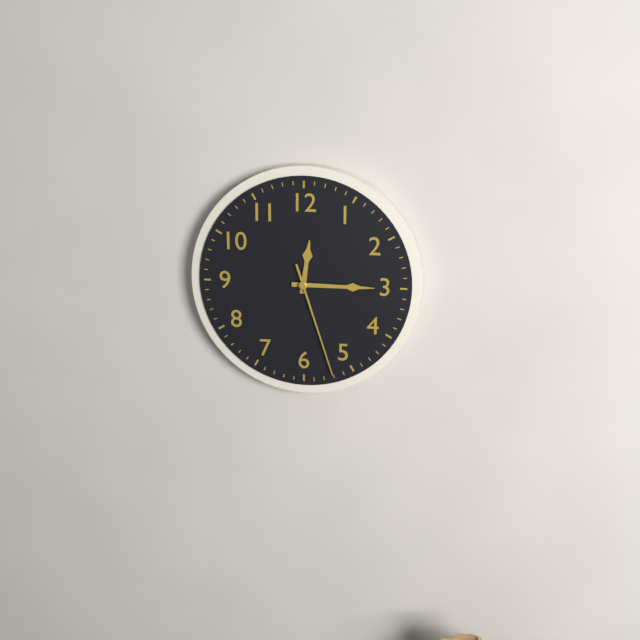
12:15:27
